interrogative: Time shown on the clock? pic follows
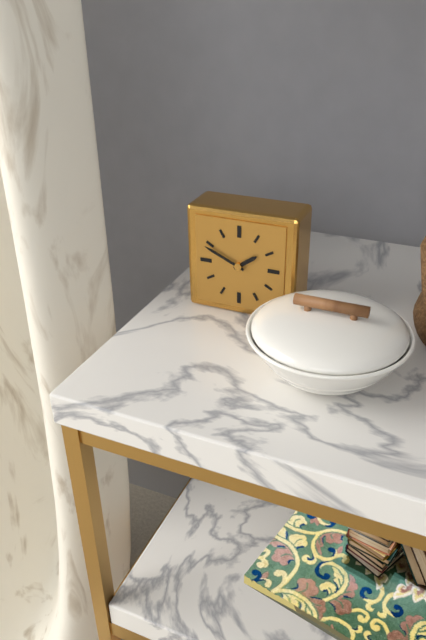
1:49
